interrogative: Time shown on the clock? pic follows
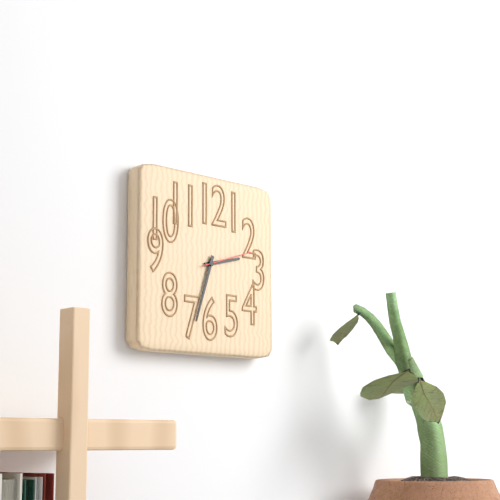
2:33:12
